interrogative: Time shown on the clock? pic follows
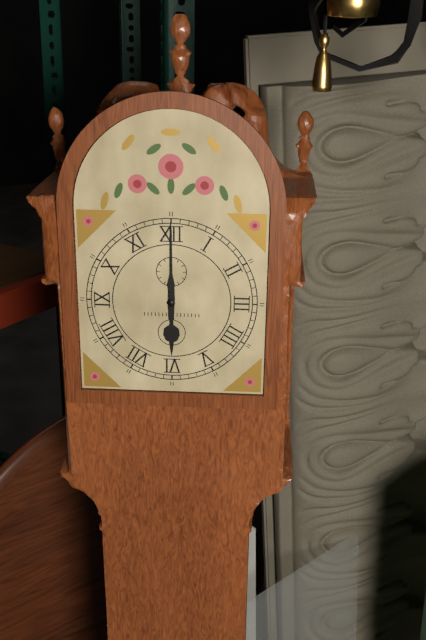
6:00
